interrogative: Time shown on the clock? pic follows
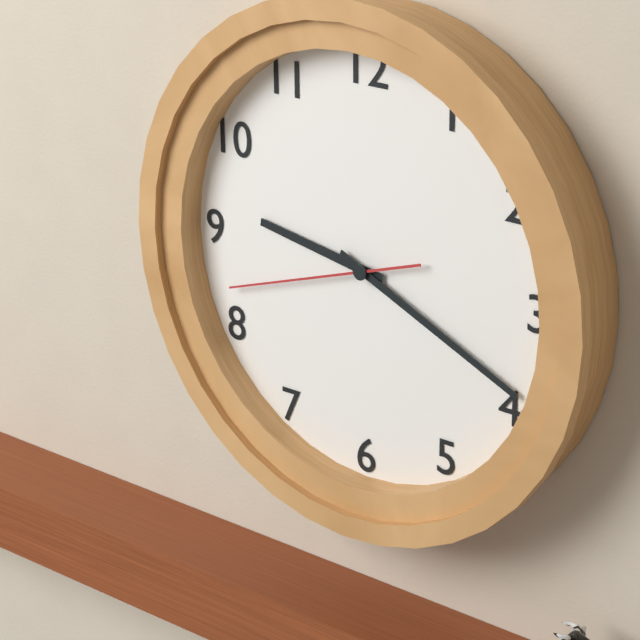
9:19:42
